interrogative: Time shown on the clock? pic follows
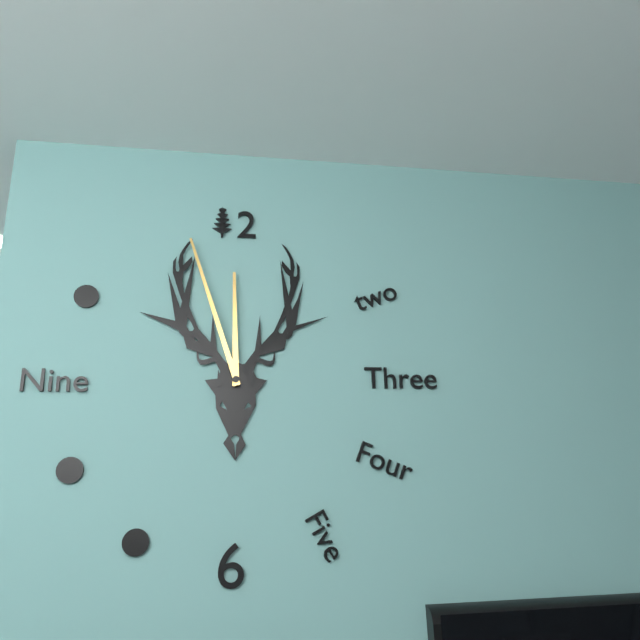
11:57
